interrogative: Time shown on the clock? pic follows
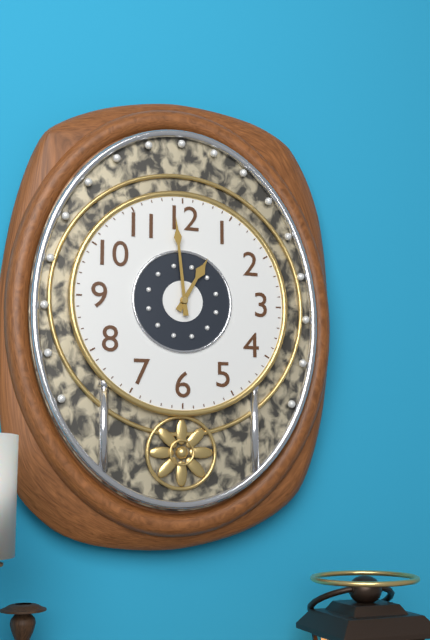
12:59
